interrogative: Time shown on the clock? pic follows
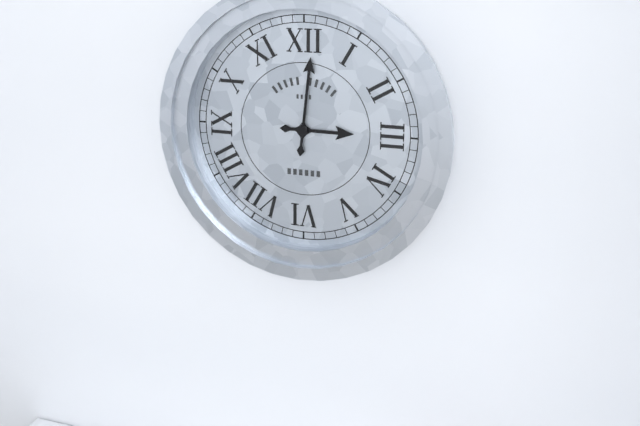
3:01
